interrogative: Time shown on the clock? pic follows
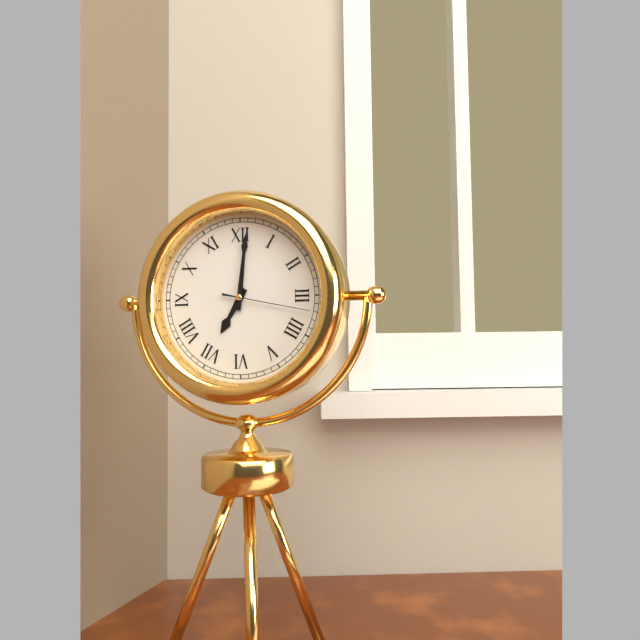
7:01:17
